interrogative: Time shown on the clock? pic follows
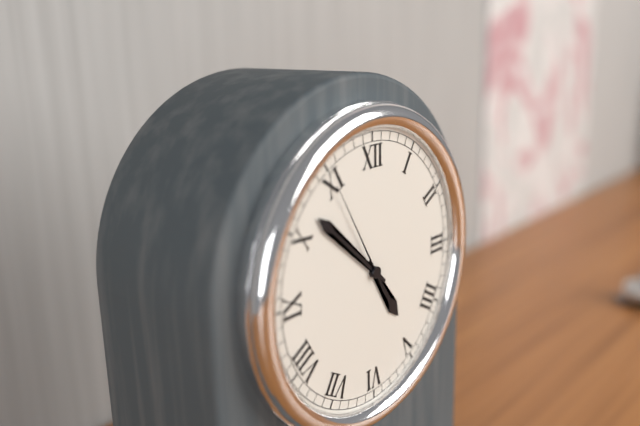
4:52:55
